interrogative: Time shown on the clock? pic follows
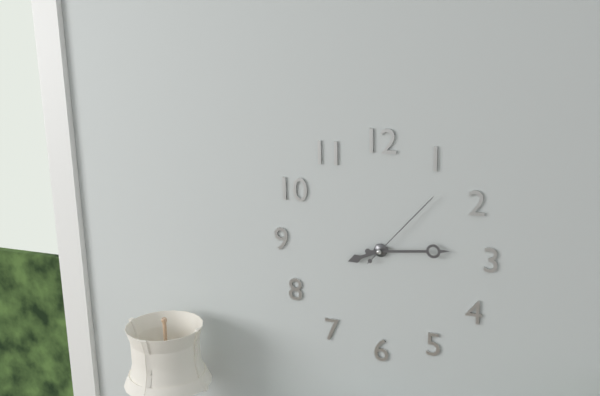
8:14:07
